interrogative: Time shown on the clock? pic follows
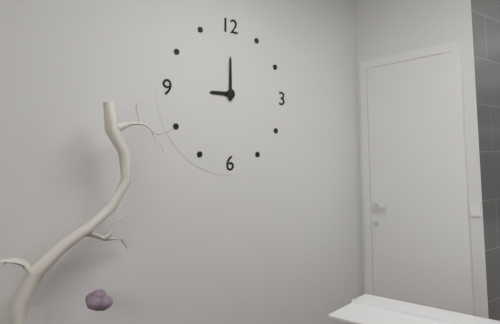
9:00
